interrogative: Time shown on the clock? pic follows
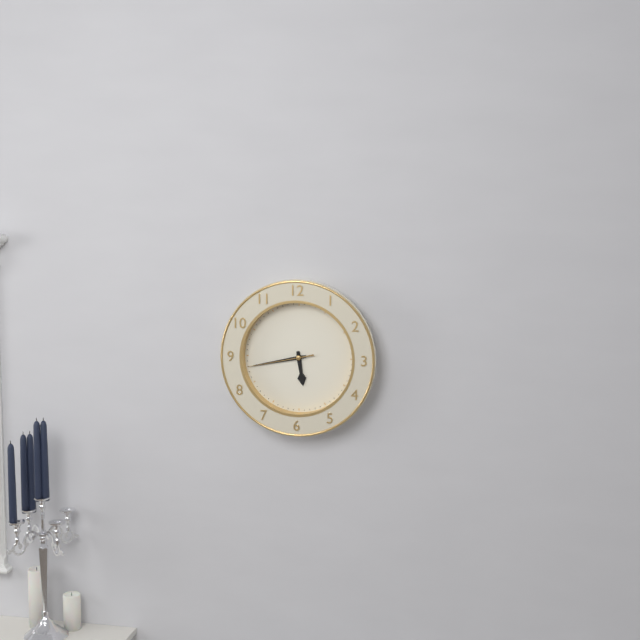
5:43:43
